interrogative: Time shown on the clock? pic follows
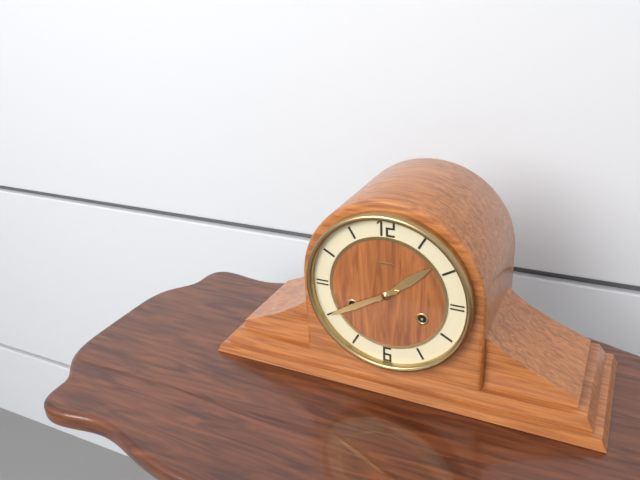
1:40
